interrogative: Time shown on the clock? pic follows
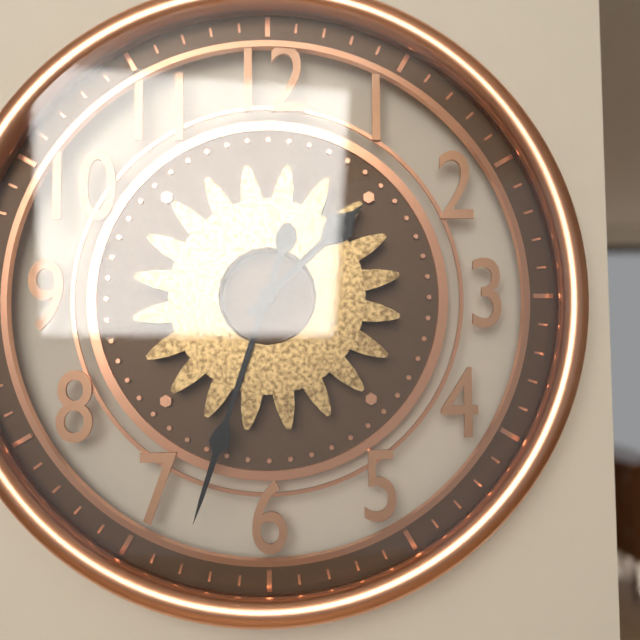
1:33
